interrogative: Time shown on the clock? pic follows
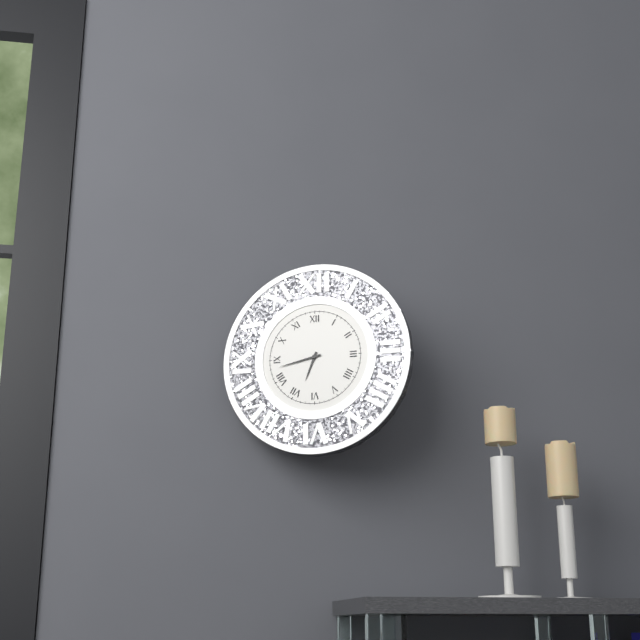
6:43
